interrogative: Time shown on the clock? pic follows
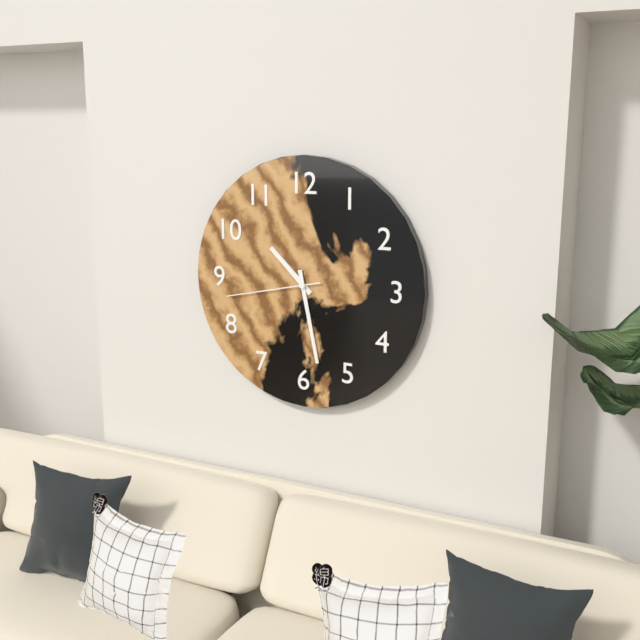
10:28:43
